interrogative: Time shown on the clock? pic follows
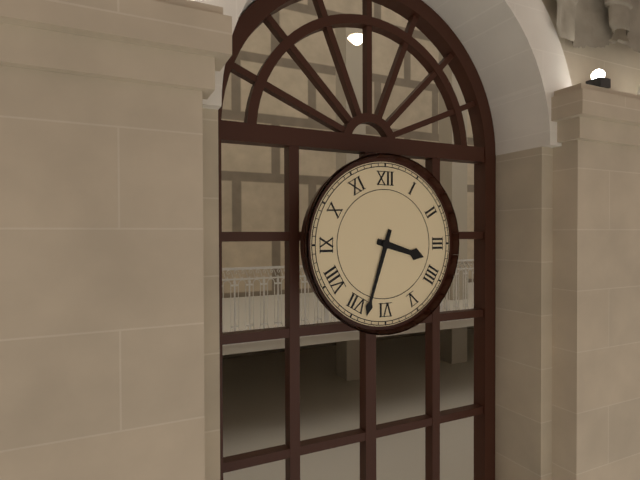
3:33
